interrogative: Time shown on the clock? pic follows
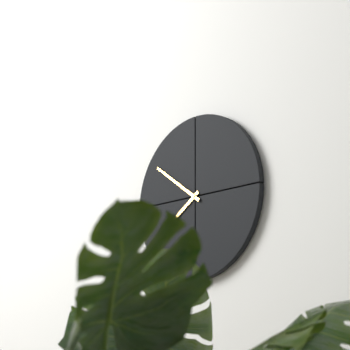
7:51
